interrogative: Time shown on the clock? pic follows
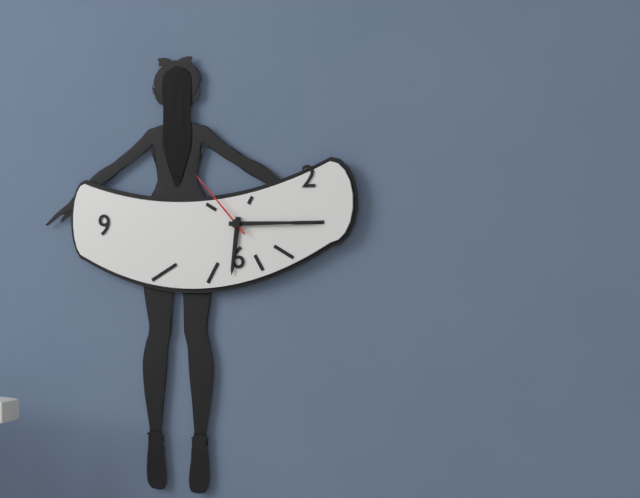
6:15:53
